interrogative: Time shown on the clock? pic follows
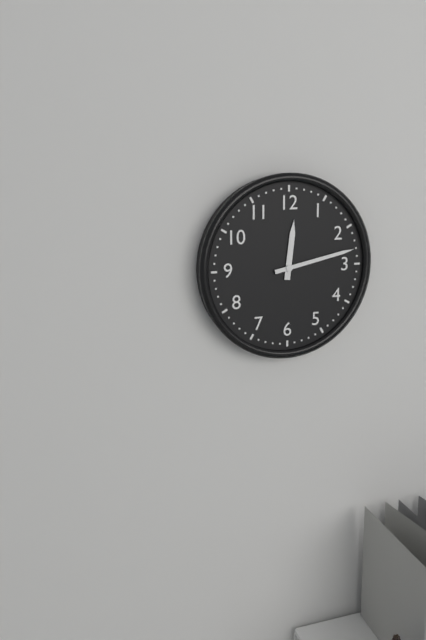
12:13
